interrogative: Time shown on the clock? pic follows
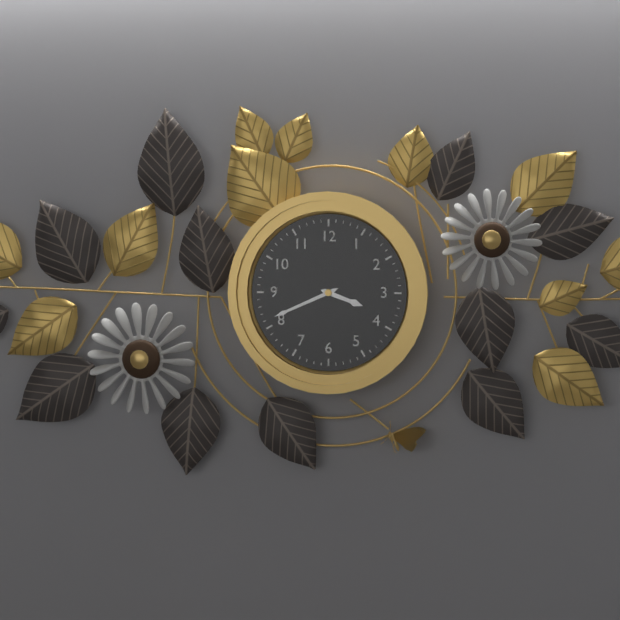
3:41
